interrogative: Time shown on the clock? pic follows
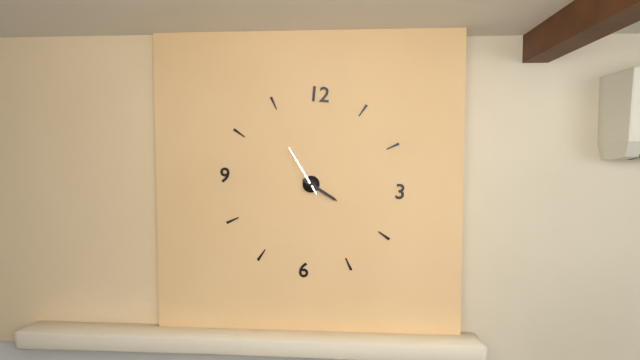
3:54
